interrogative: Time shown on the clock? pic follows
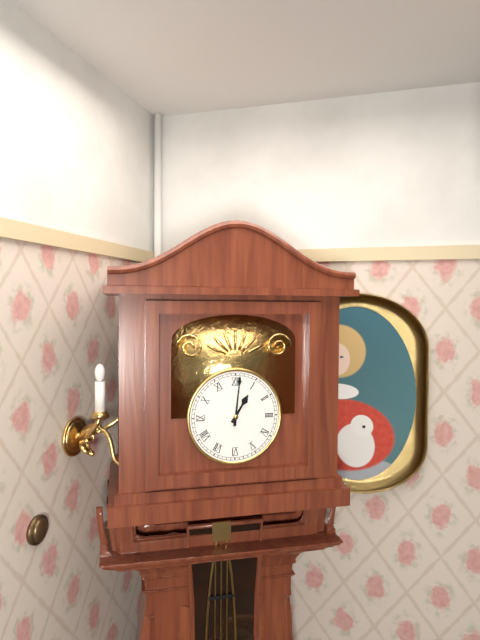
1:01
